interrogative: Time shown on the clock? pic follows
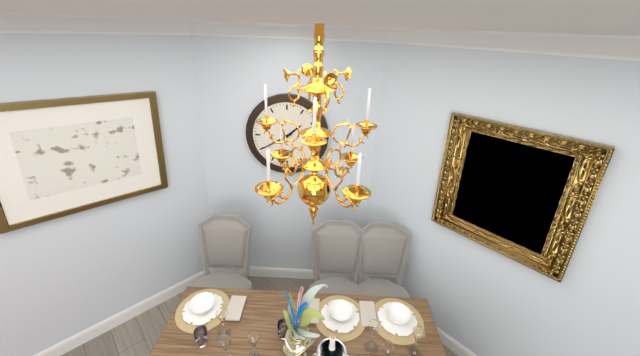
1:40
